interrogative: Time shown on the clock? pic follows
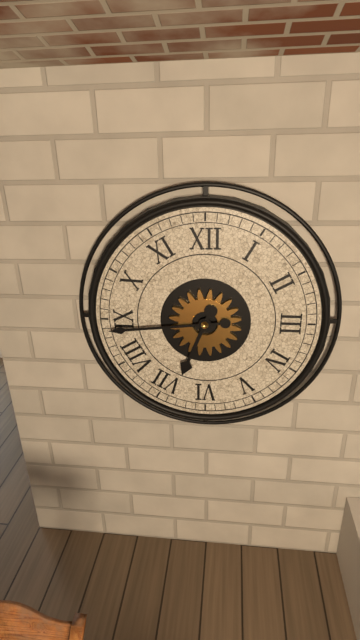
6:44
